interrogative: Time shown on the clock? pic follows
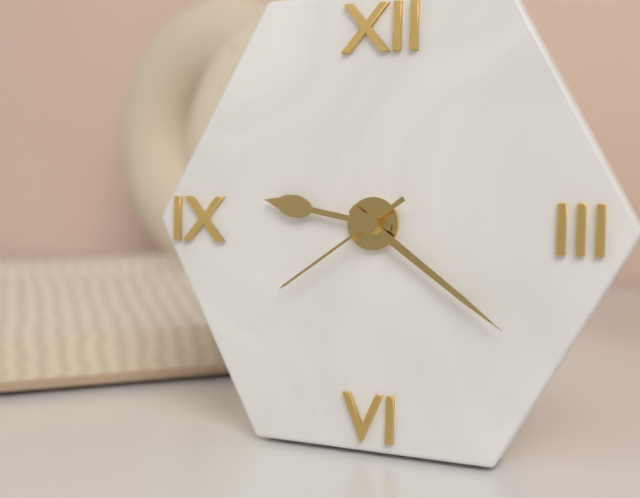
9:21:39
